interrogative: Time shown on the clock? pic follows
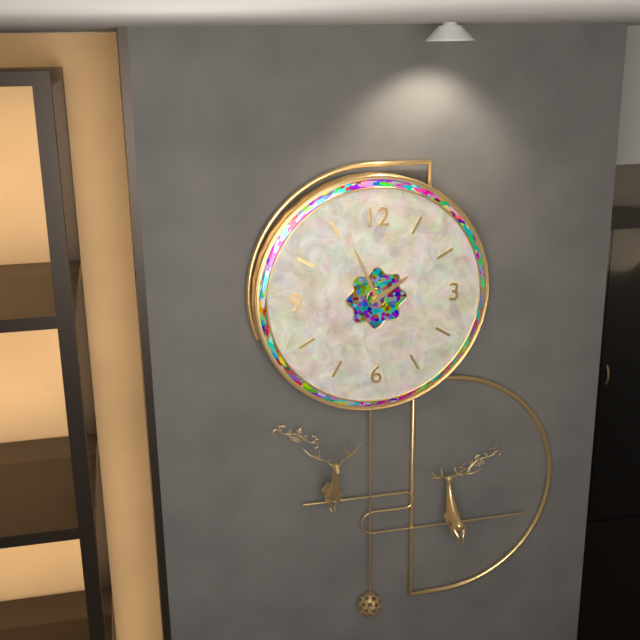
1:56
